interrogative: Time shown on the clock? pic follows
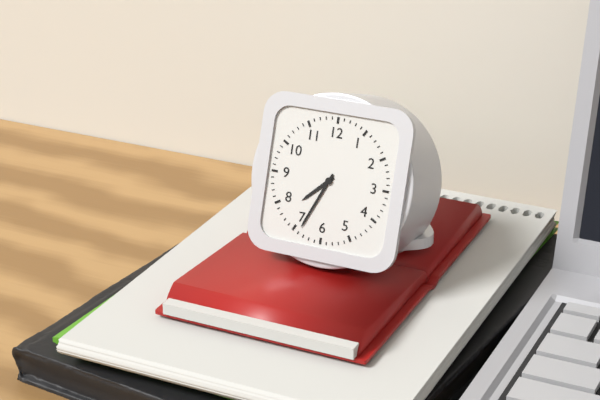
7:34
